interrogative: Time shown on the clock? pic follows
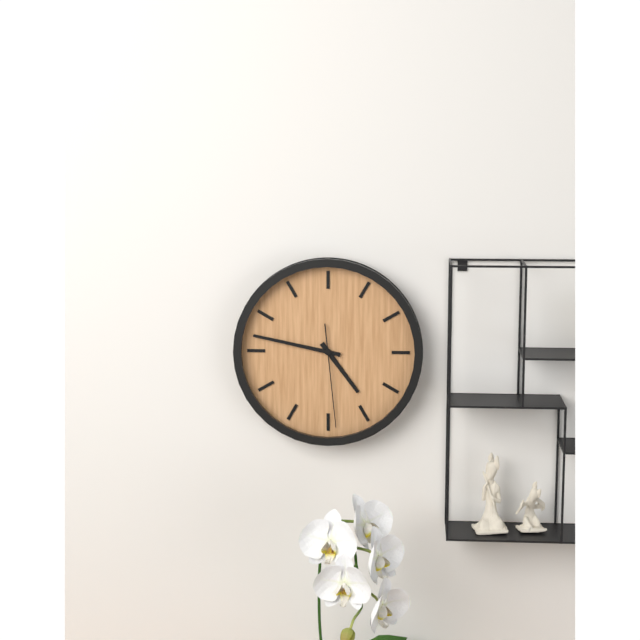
4:47:29
